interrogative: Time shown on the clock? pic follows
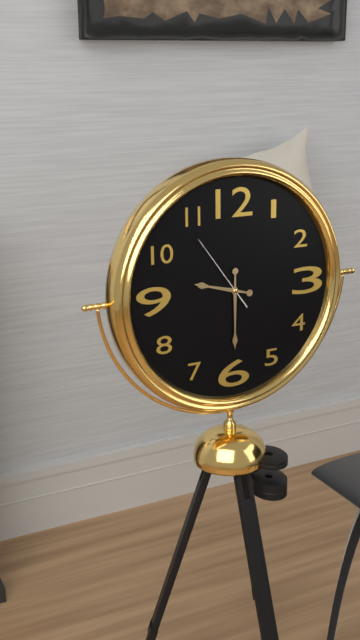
9:30:54
